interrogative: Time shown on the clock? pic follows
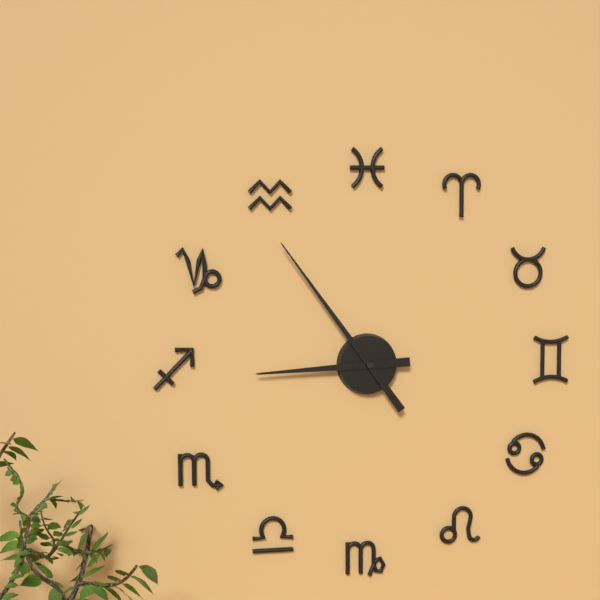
8:54
